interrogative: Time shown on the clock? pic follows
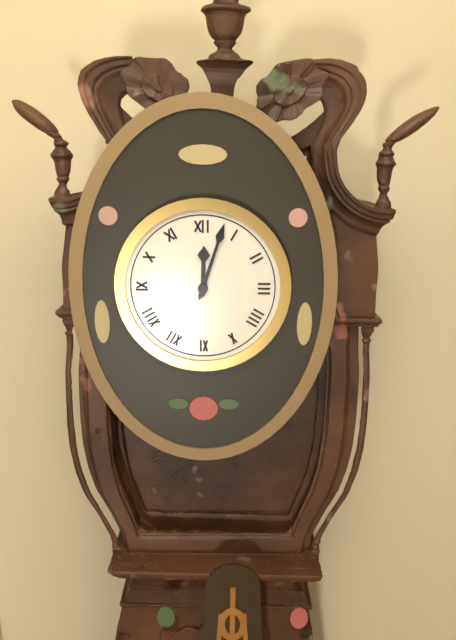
12:03
